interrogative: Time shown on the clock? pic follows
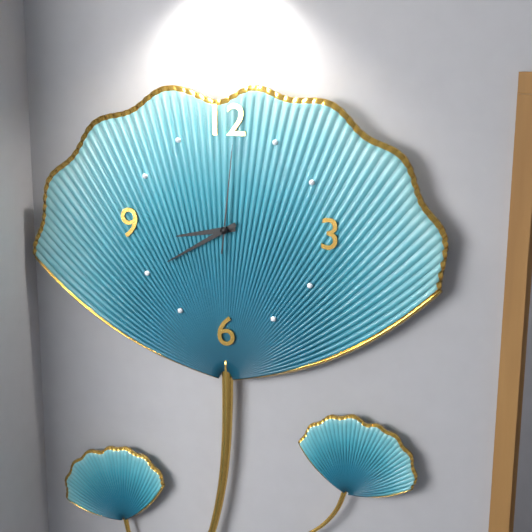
8:40:01
